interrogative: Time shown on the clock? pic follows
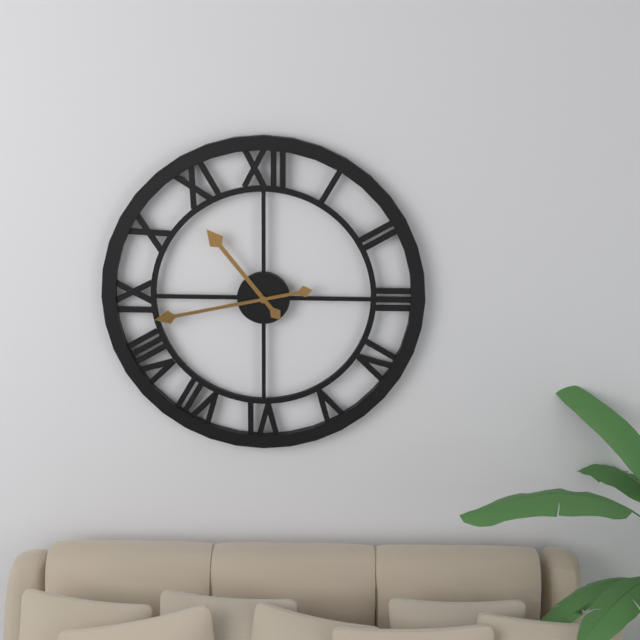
10:43
